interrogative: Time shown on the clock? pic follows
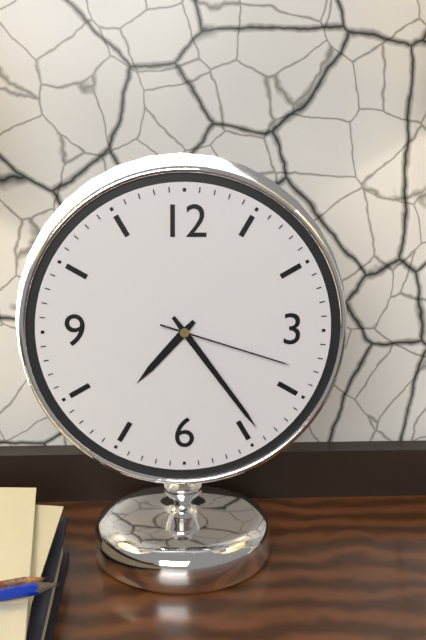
7:24:18
